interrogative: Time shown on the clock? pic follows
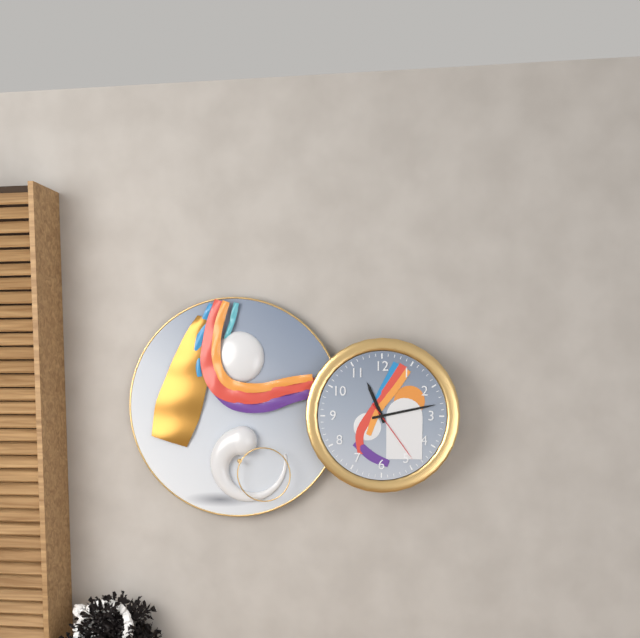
11:13:24
